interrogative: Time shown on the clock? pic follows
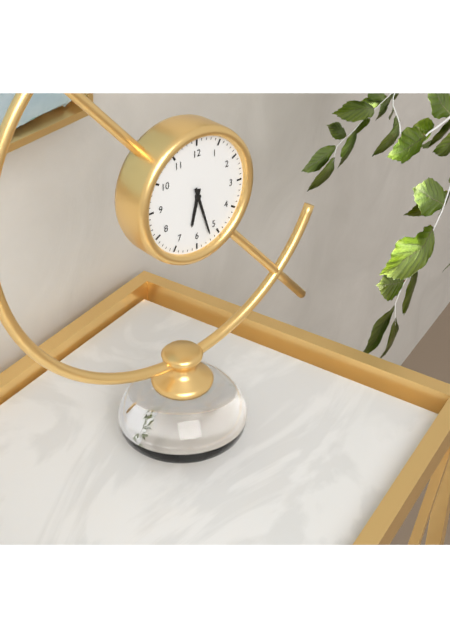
6:27
